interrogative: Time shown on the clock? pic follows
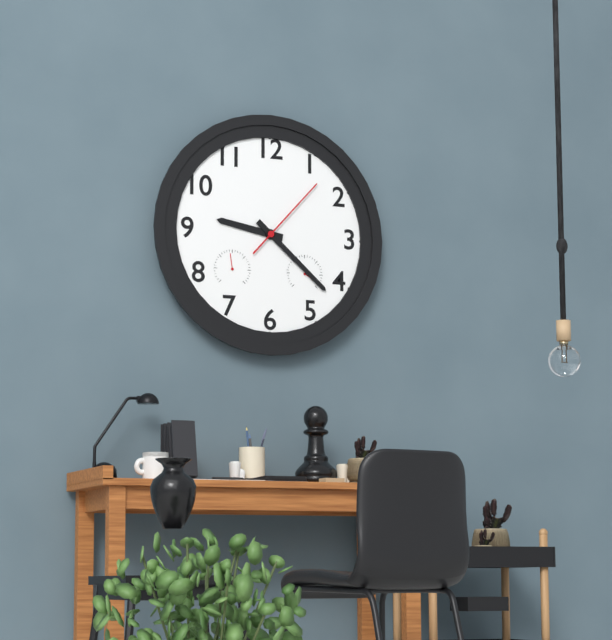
9:22:07
